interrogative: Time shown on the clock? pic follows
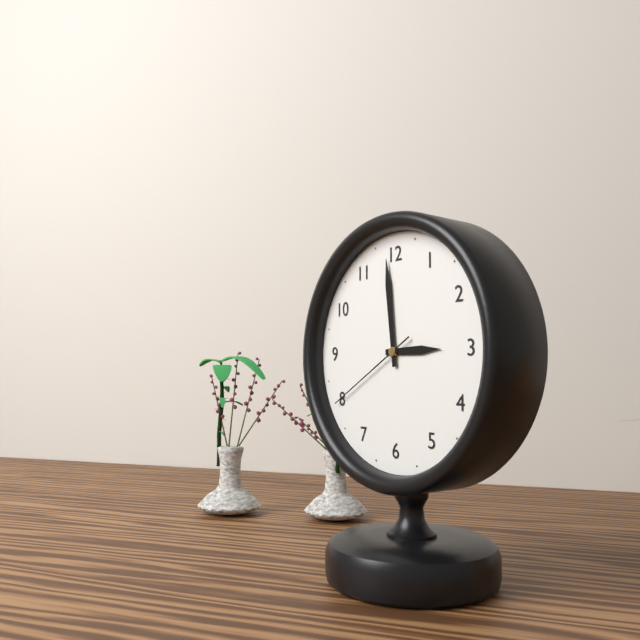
2:59:40
